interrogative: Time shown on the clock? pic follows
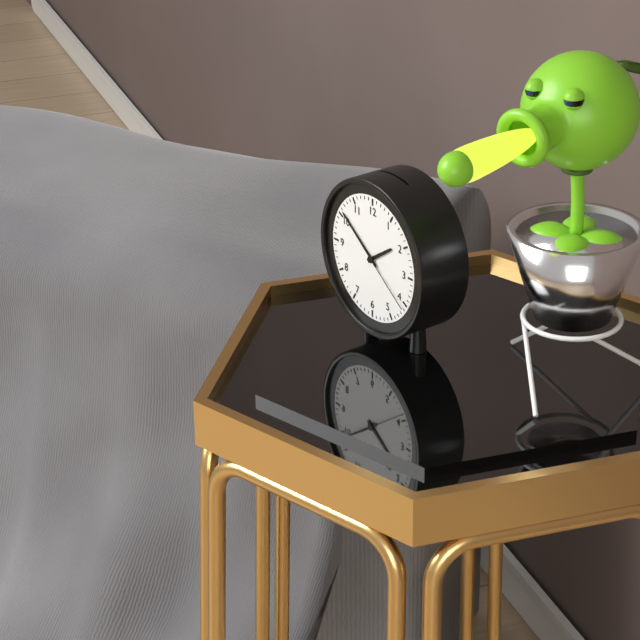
1:51:21
